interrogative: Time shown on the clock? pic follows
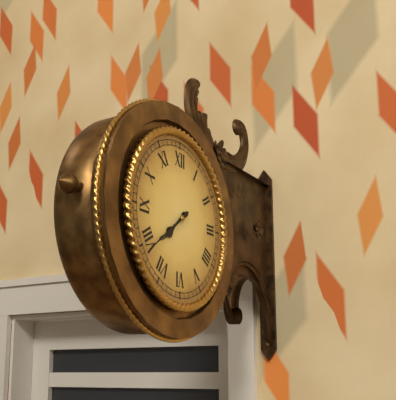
7:39
